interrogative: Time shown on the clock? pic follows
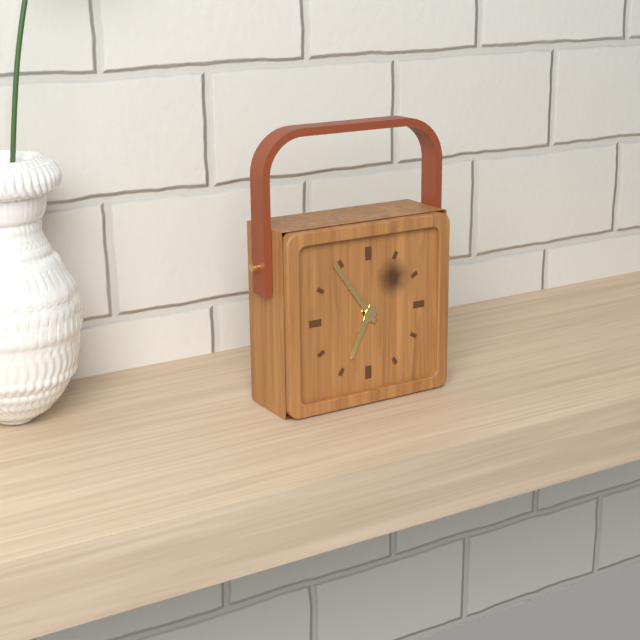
6:54
